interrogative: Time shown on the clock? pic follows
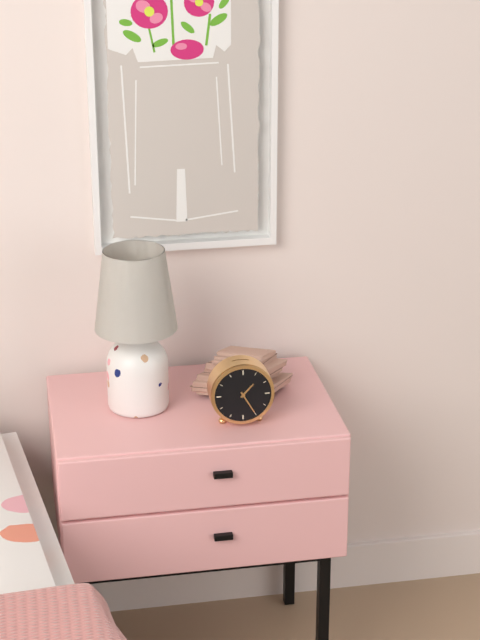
1:25
